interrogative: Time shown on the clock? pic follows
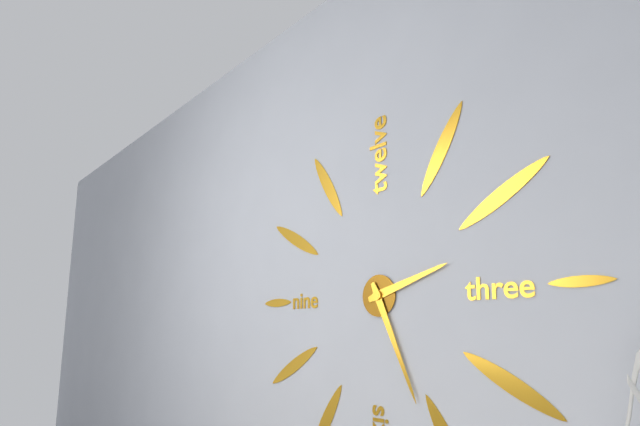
2:26
